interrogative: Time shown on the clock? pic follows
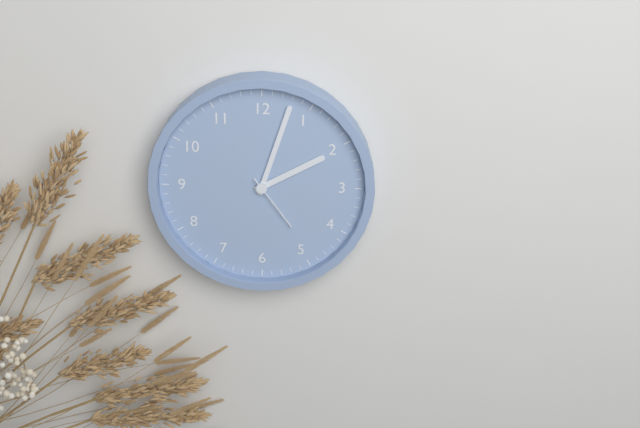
2:03:24
